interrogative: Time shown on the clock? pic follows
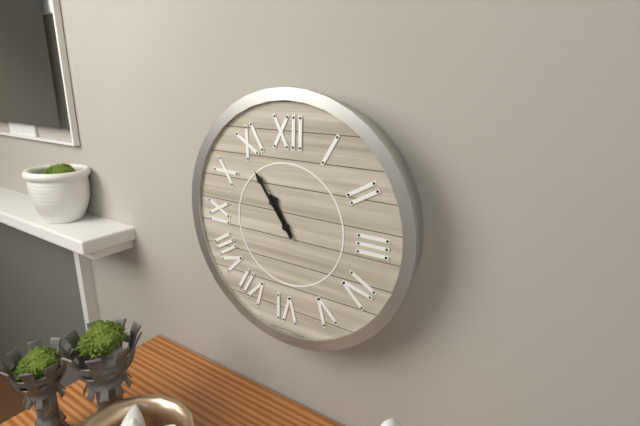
10:54
